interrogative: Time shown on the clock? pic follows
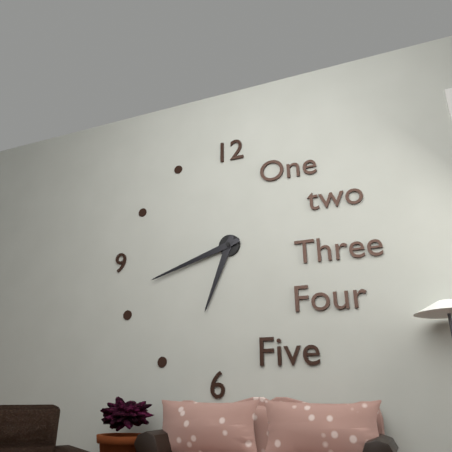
6:42
